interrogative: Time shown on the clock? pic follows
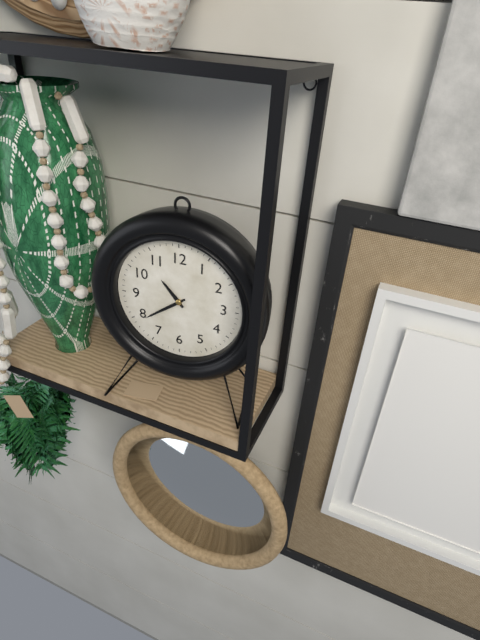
10:39
